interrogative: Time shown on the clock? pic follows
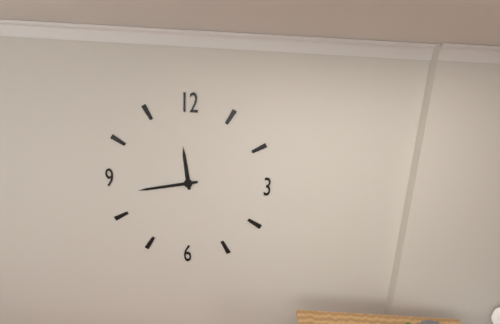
11:43
